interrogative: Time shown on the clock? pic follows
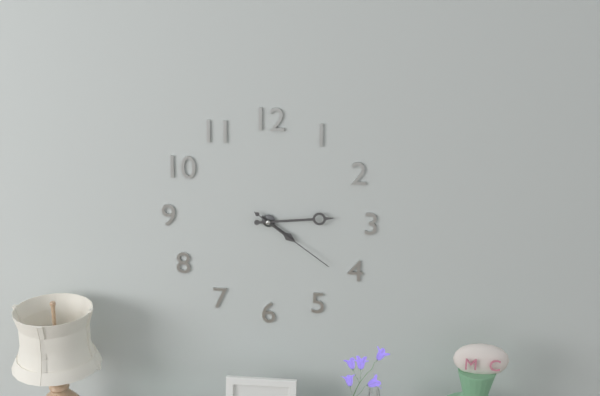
4:14:21
